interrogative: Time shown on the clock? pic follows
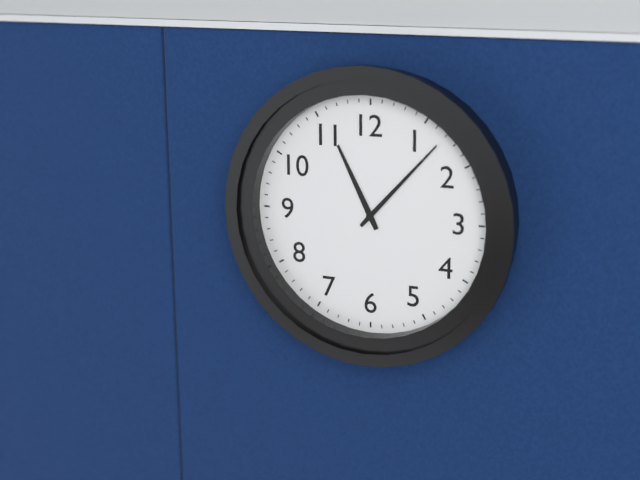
11:07
